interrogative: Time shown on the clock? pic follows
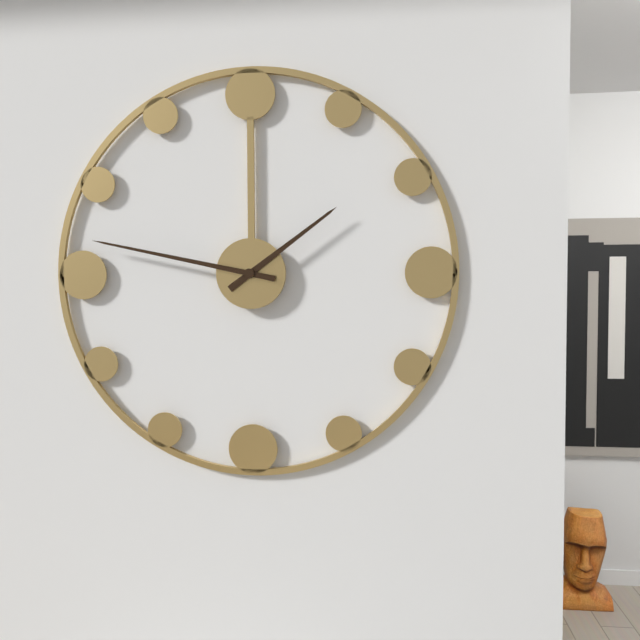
1:47
